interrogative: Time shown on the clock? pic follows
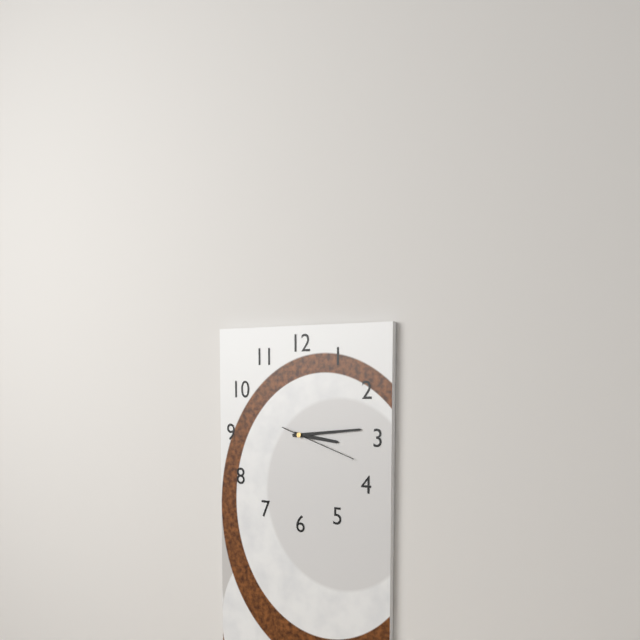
3:14:18
